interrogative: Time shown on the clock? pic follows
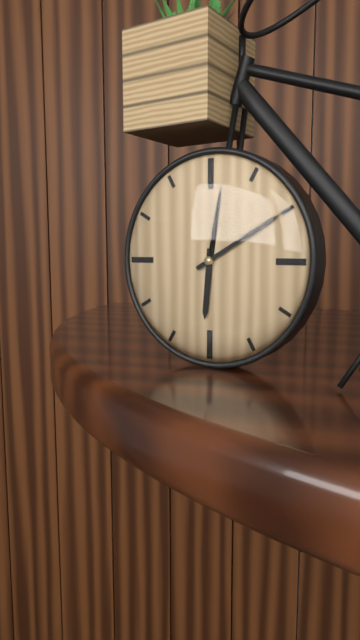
6:10
